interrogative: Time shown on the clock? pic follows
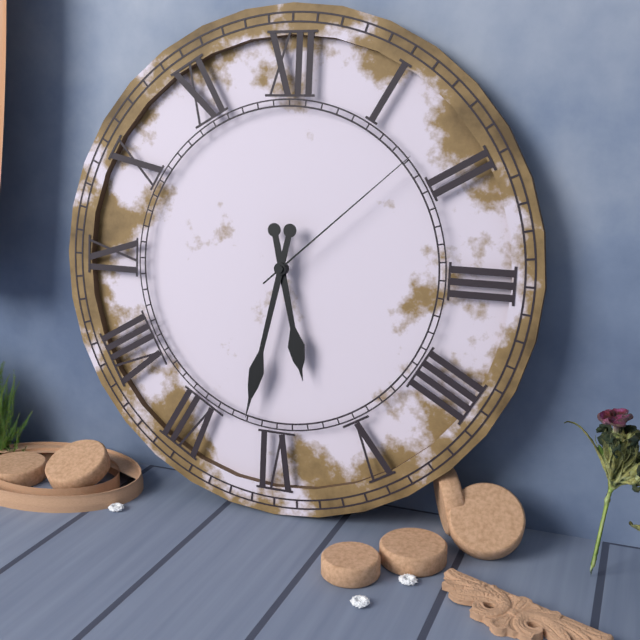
5:32:08
